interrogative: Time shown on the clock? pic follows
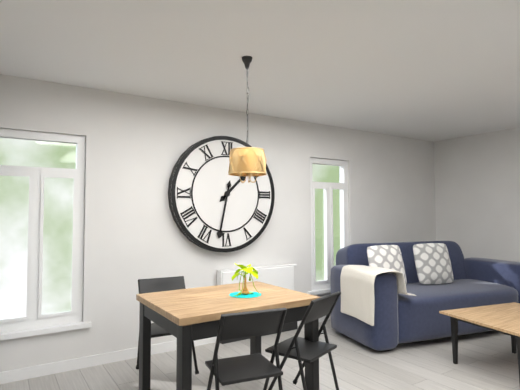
1:32
